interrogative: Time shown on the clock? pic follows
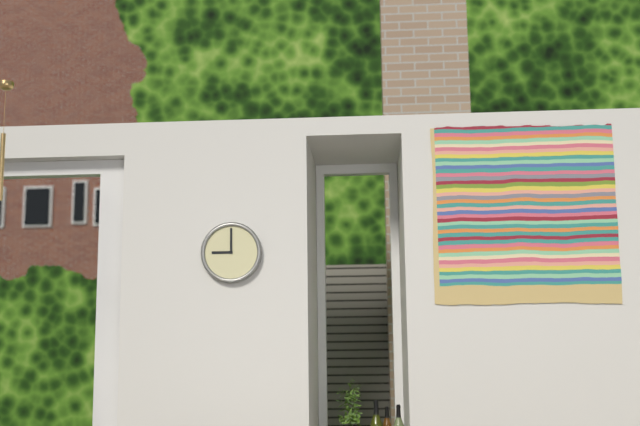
9:00
